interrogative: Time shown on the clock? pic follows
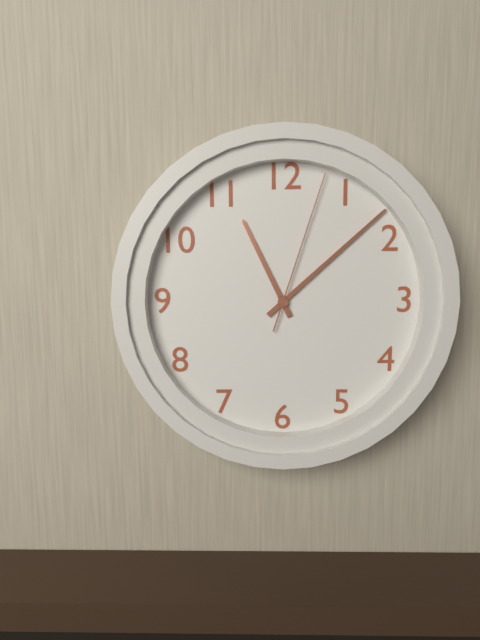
11:08:03
